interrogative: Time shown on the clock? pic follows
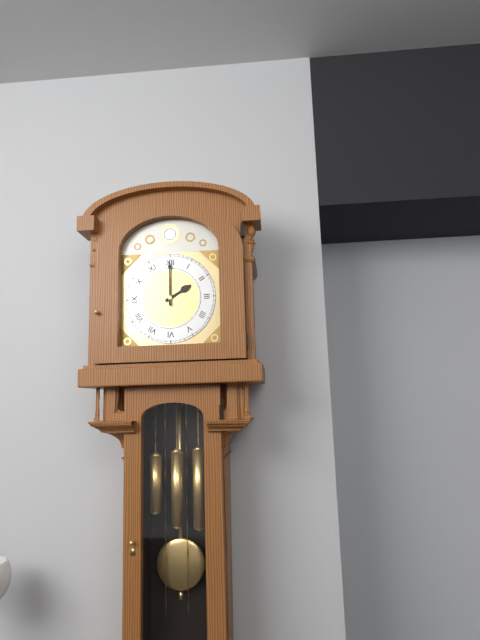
2:00
